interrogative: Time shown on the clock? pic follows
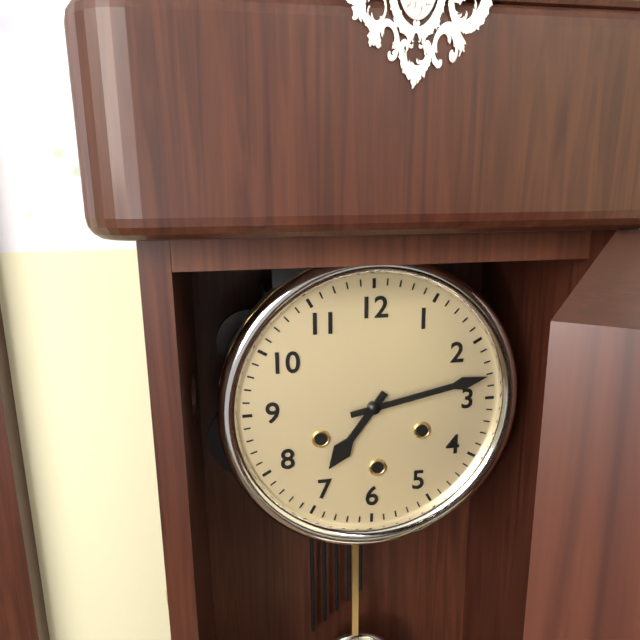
7:13
